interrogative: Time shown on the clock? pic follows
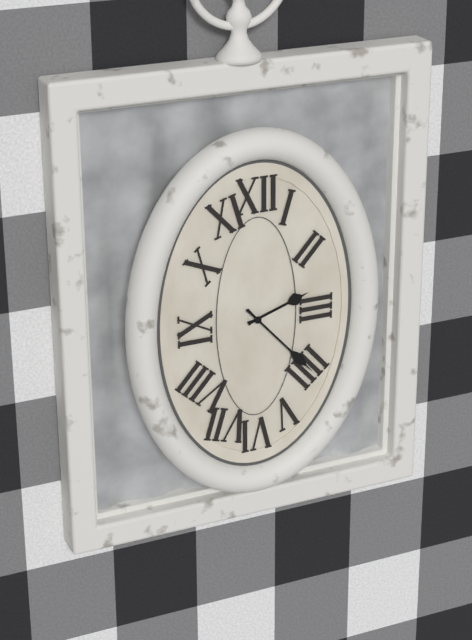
2:23
